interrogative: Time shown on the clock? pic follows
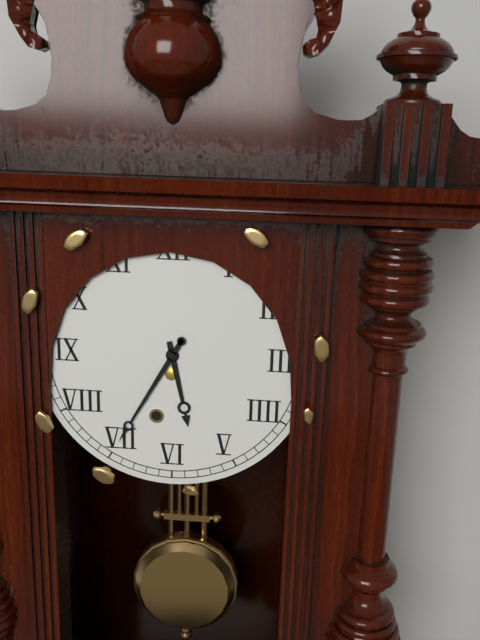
5:35
